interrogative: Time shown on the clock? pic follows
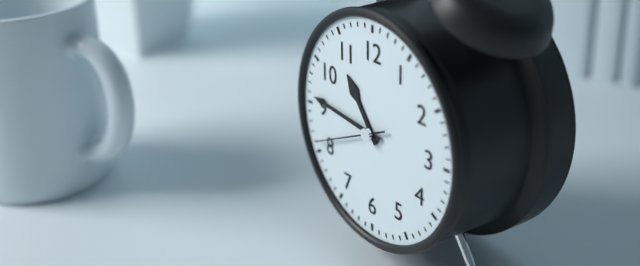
10:46:41
